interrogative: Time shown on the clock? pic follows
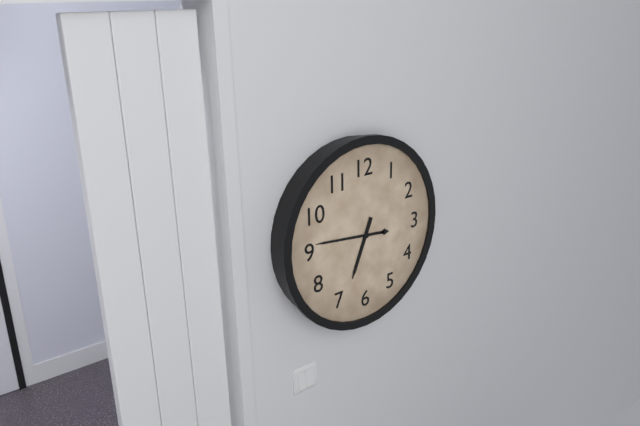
6:46
